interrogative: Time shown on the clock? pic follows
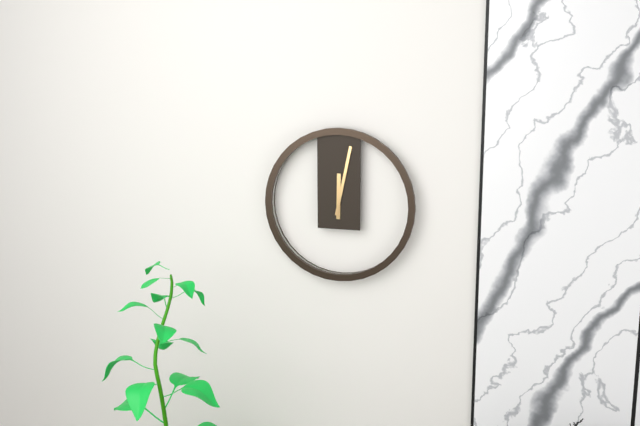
12:02
